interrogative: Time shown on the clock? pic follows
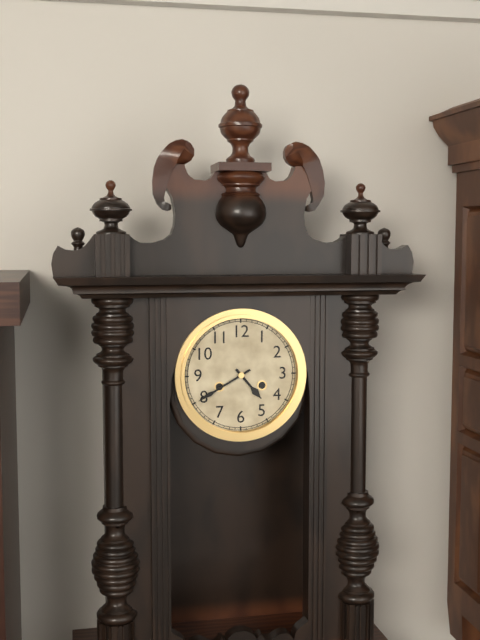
4:40
